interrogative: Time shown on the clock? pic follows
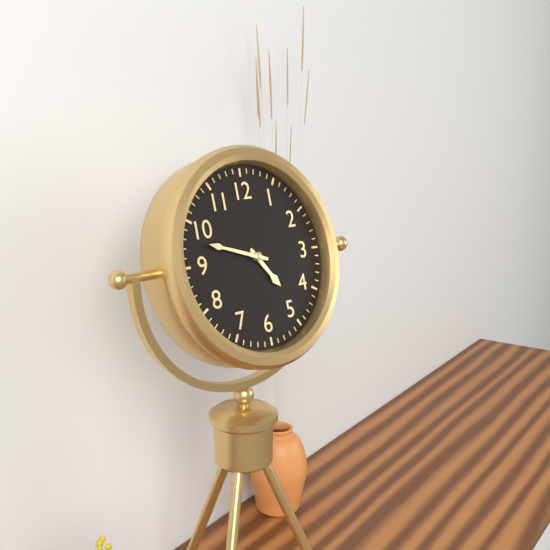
4:48
